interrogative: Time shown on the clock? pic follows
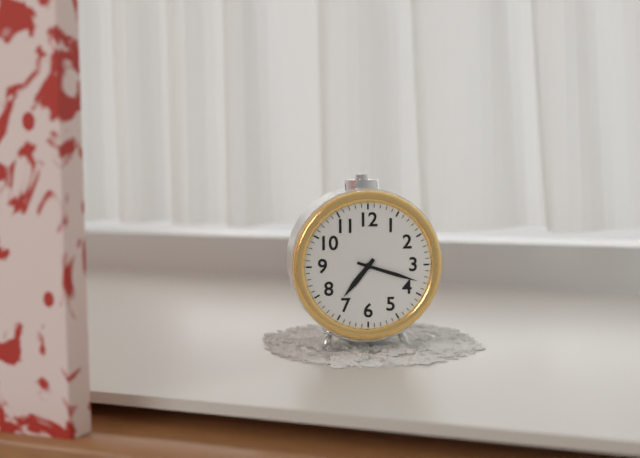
7:18
